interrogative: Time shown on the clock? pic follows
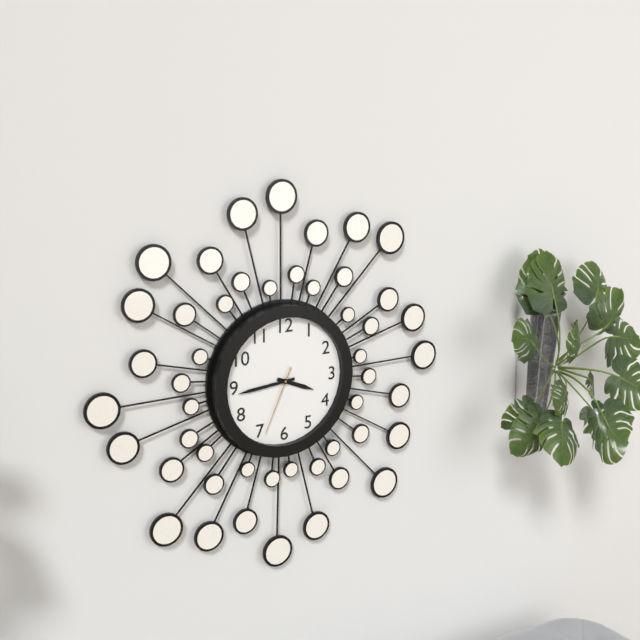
3:44:34
